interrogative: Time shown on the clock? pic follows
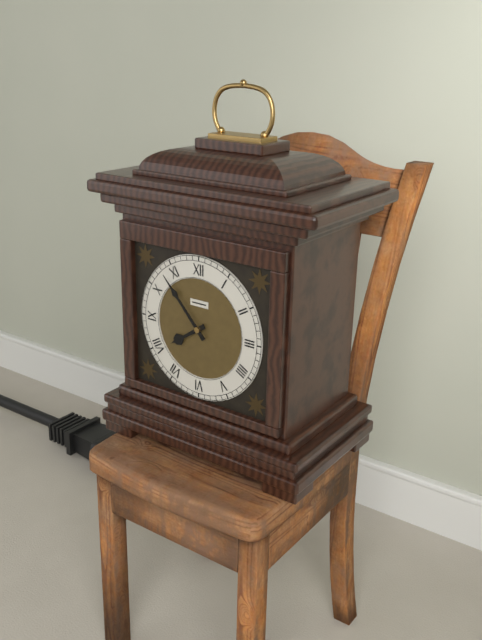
7:53
